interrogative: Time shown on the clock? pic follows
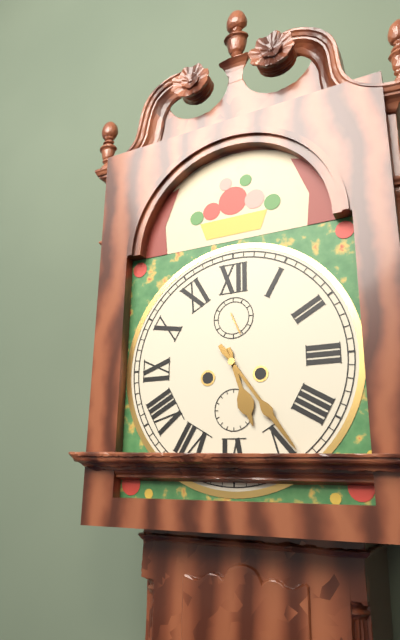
5:24
